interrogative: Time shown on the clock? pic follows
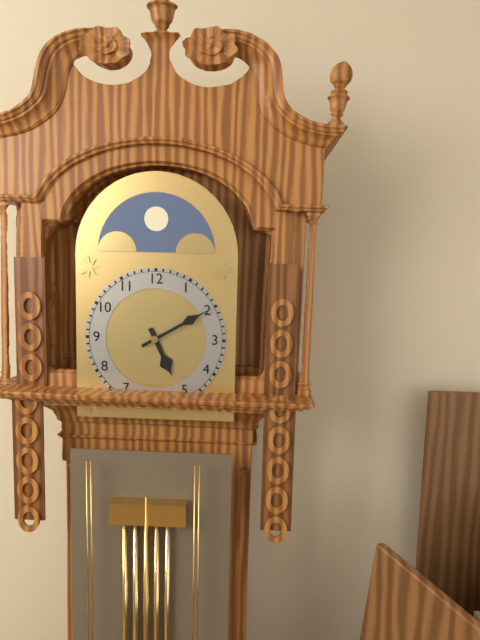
5:10
